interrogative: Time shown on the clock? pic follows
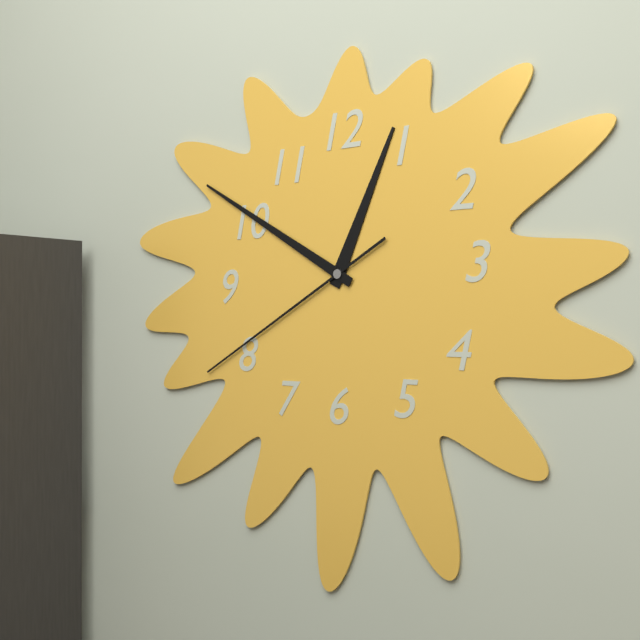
12:50:40
